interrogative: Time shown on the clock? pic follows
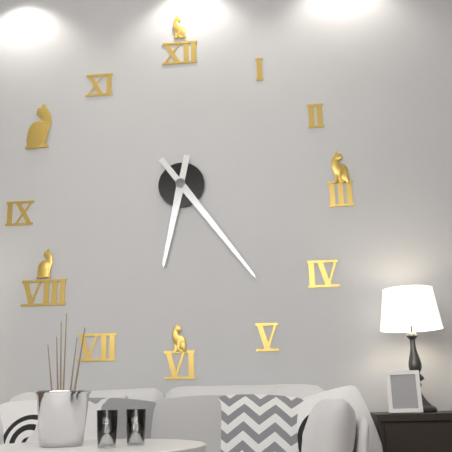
6:24
